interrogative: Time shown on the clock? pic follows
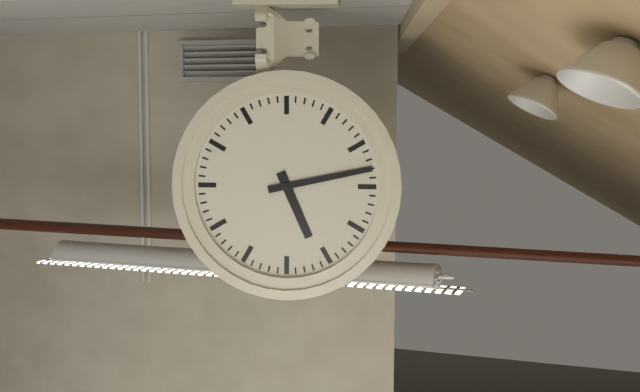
5:13
